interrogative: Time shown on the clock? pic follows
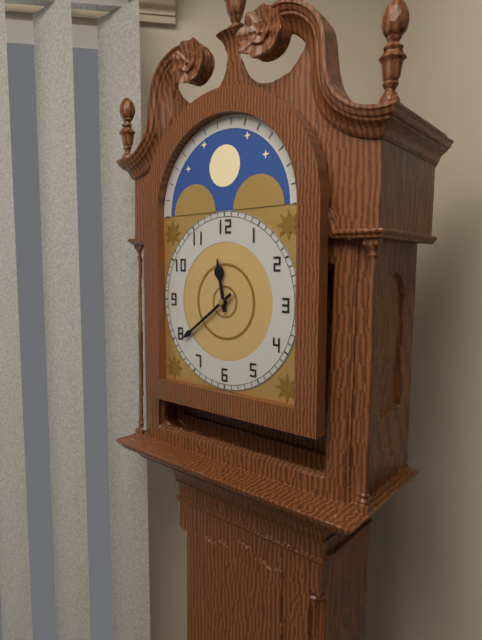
11:39
